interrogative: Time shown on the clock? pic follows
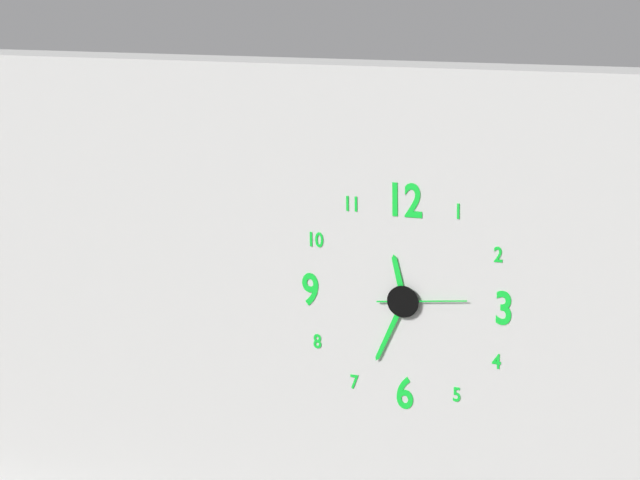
11:34:14
